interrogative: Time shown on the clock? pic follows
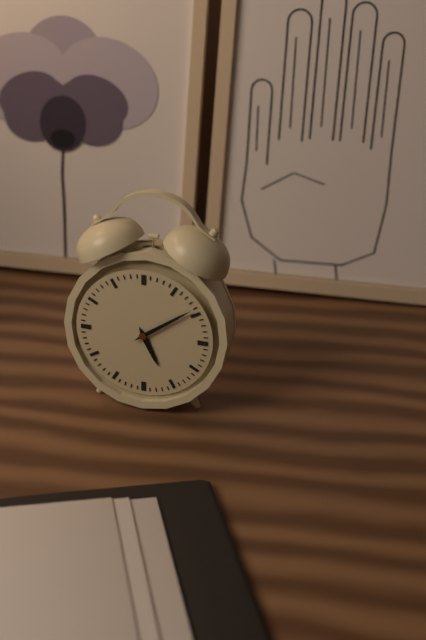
5:09
